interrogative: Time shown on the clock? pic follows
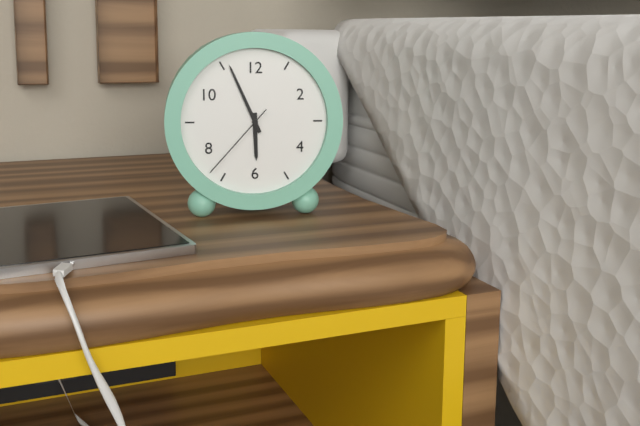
5:56:37
